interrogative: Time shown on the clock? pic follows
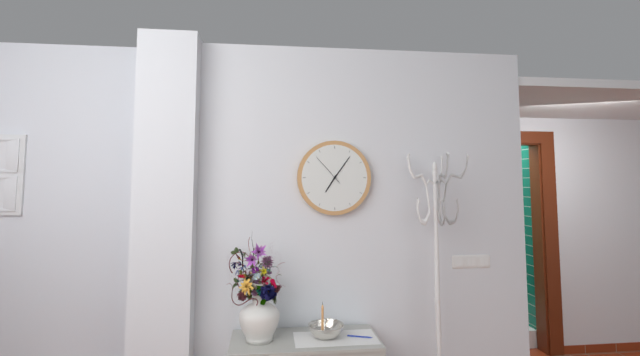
7:06
